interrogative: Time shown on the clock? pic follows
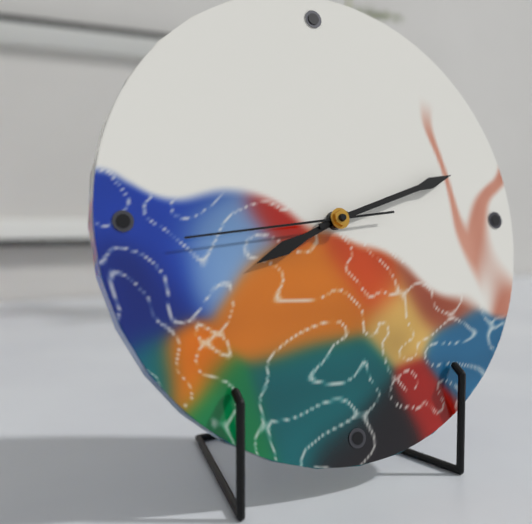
8:12:44
